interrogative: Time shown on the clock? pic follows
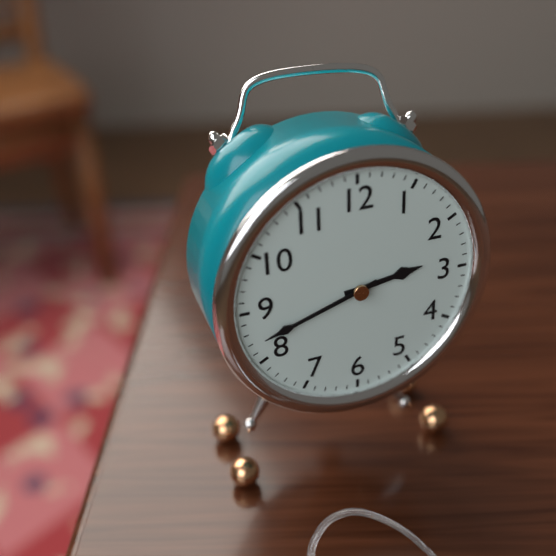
2:42
